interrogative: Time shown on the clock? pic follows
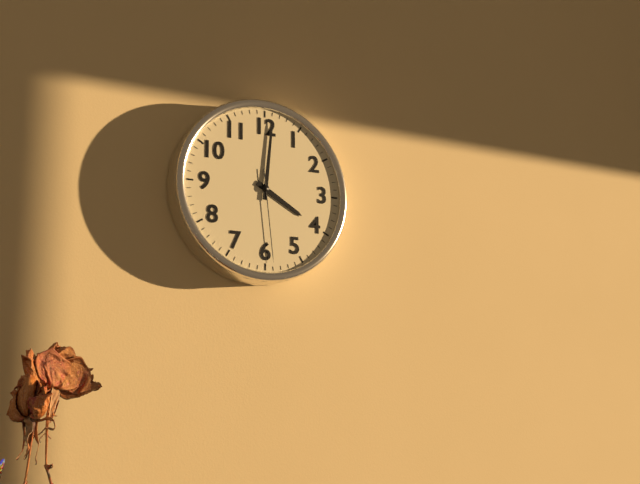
4:01:29
